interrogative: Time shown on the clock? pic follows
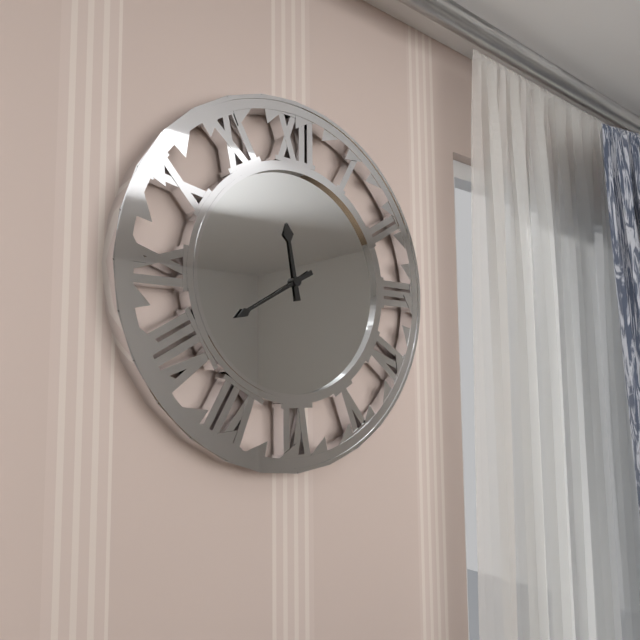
11:40
